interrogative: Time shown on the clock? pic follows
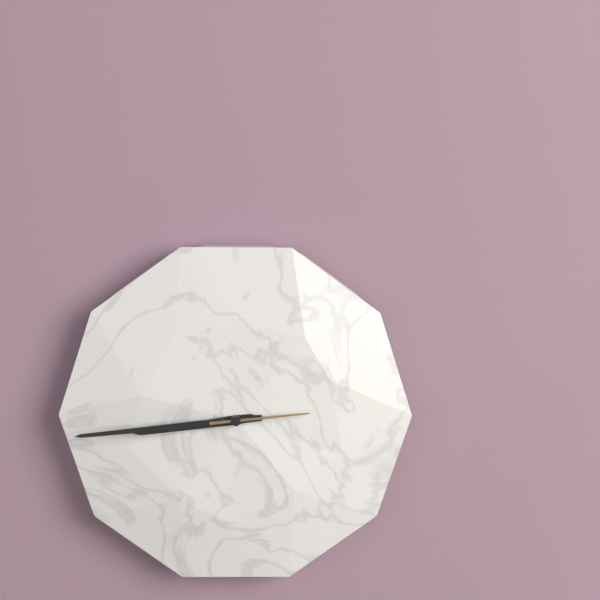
8:44:14
